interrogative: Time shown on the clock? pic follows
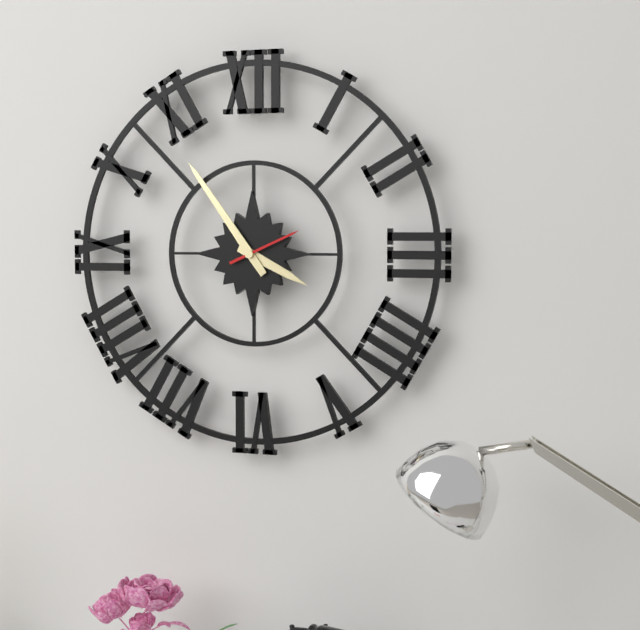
3:54:11
